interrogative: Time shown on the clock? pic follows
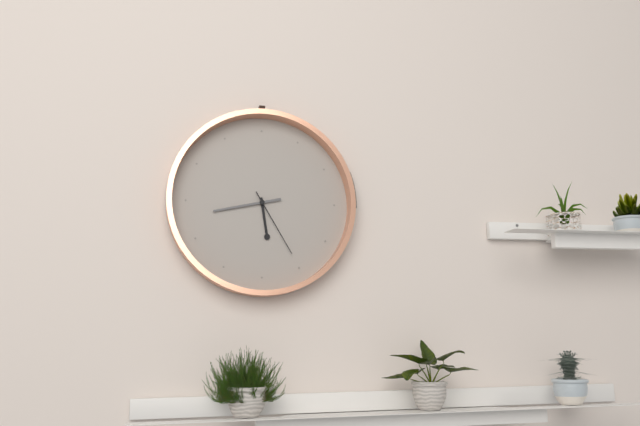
5:43:25
